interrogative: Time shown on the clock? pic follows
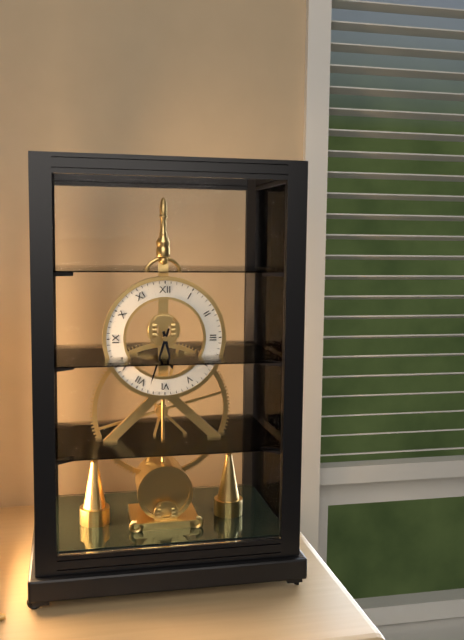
5:33
